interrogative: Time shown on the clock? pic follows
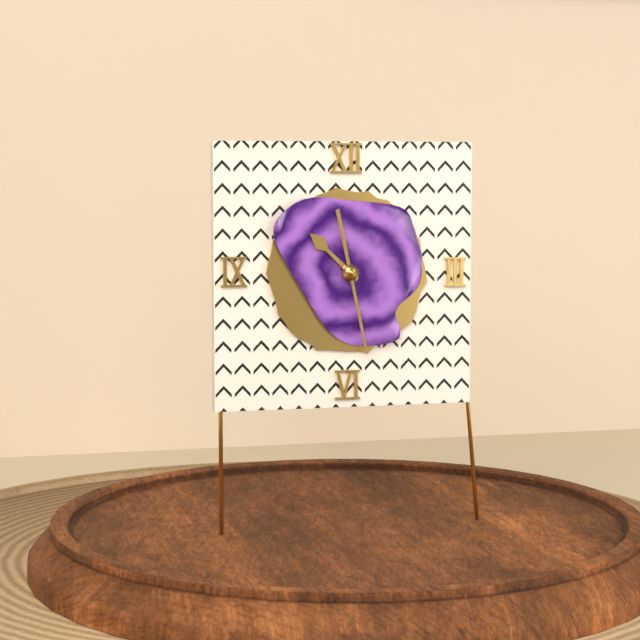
10:28
